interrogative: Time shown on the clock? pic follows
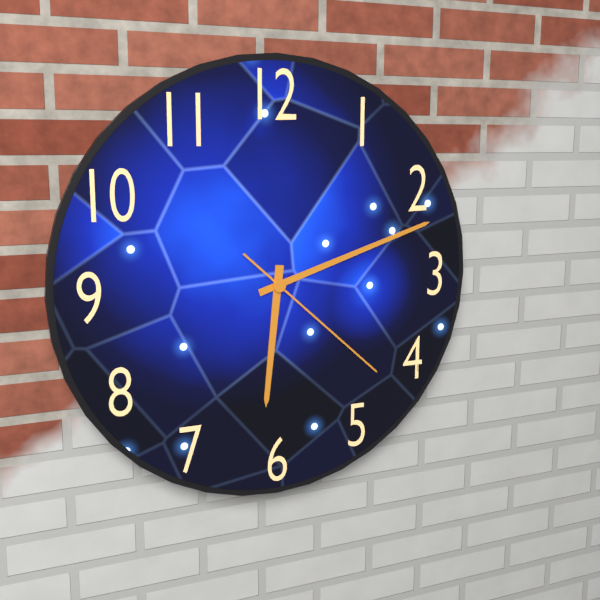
6:12:22
